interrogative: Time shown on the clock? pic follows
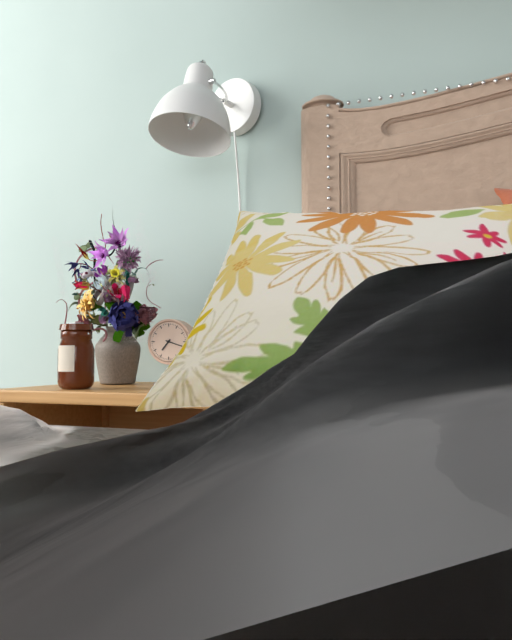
7:18
